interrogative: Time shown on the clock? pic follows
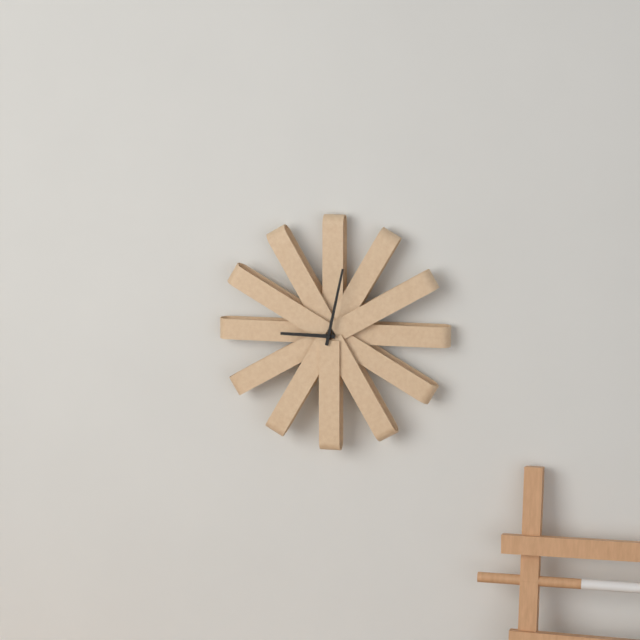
9:02
